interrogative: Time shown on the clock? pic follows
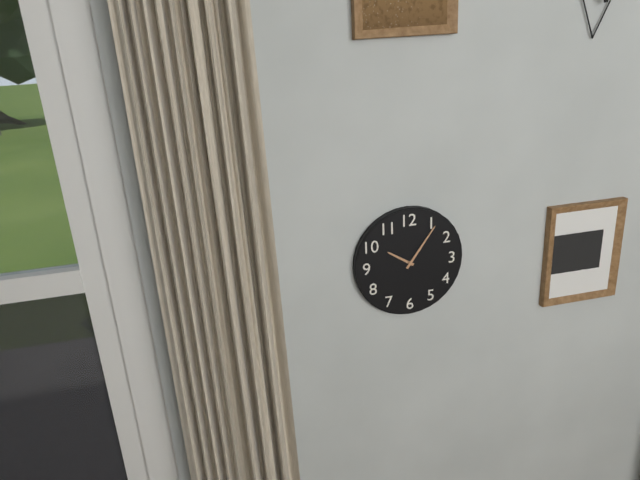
10:06
